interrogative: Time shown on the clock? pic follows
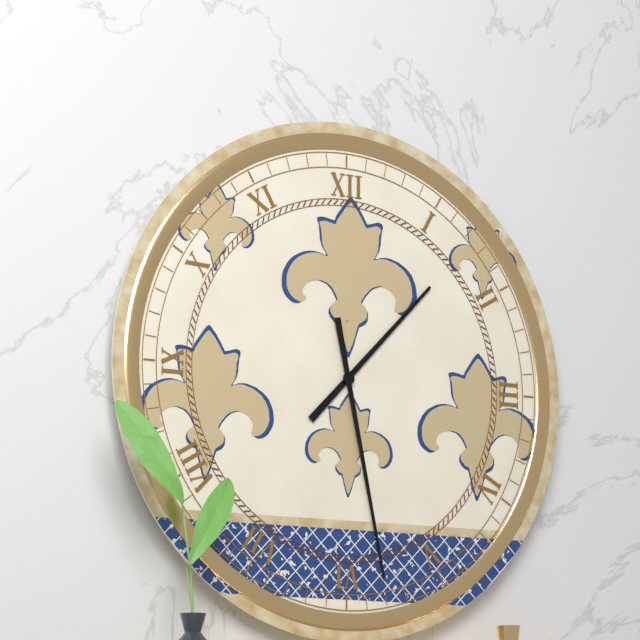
1:28
